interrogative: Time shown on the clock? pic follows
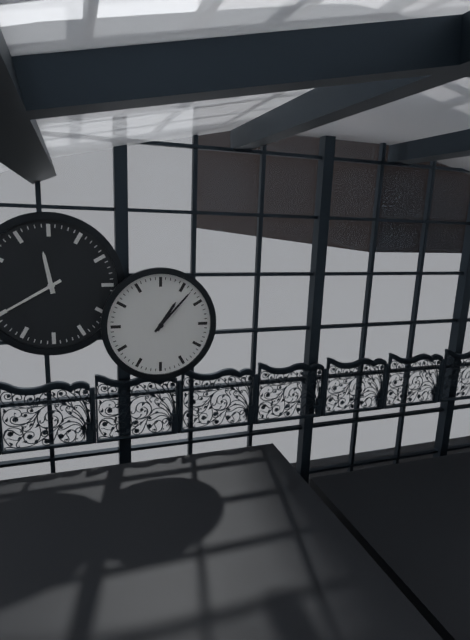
1:07
